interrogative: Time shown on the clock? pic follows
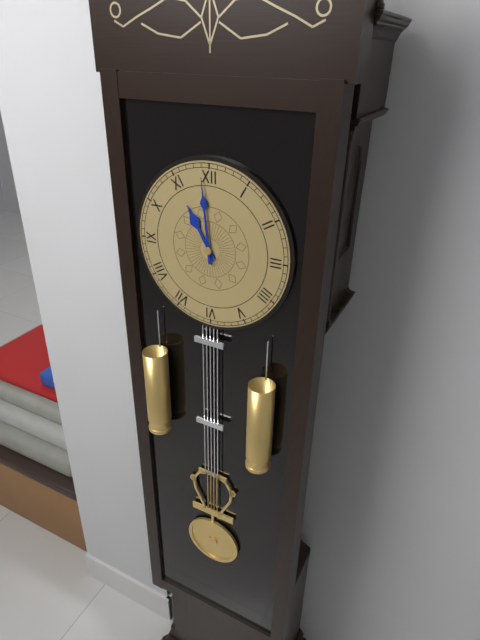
10:59
